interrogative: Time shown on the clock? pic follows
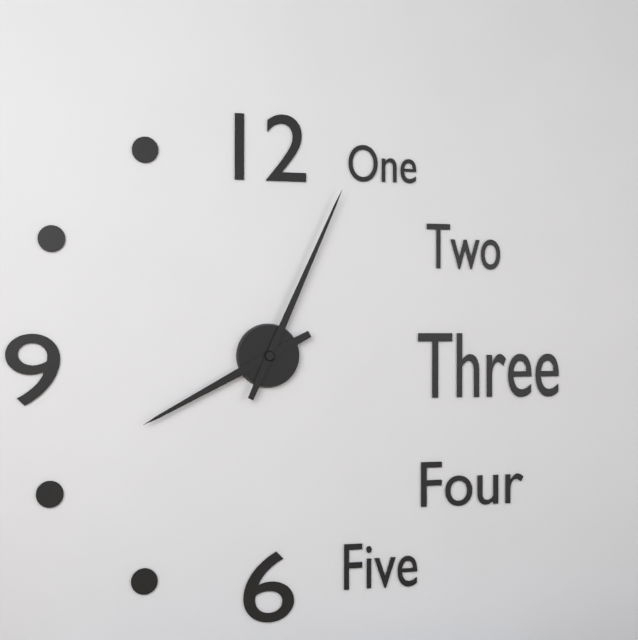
8:04
